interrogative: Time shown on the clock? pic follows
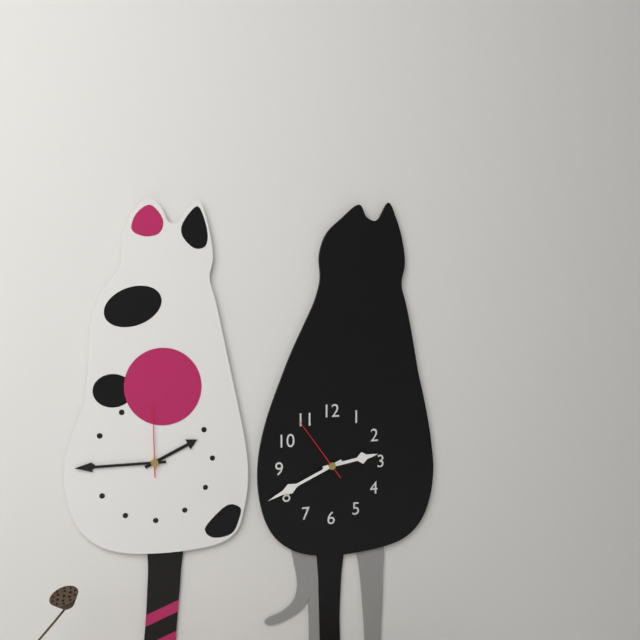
2:41:54
